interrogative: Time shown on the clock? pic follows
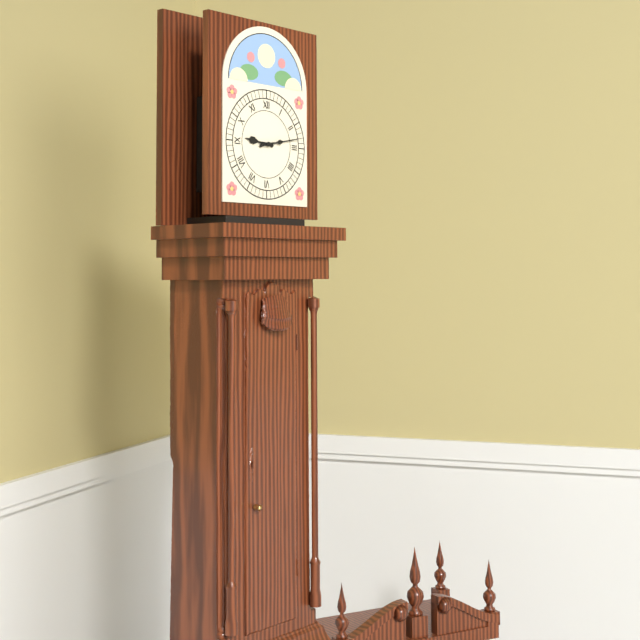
9:13
